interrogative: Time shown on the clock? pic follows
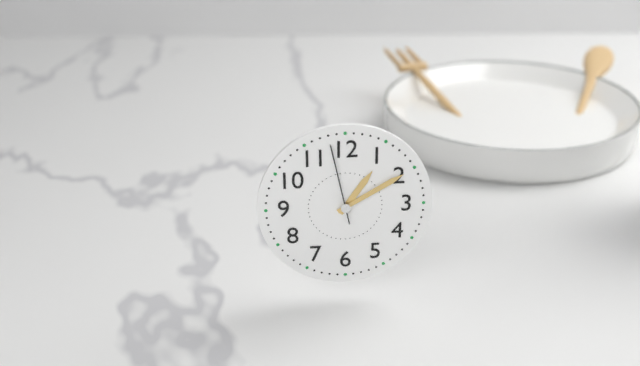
1:10:58
